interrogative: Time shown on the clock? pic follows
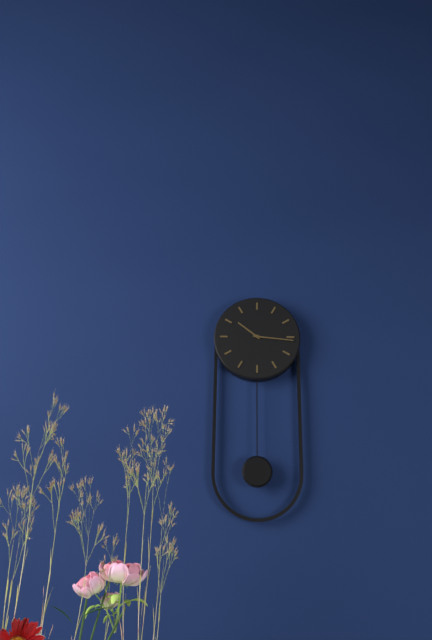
10:16
